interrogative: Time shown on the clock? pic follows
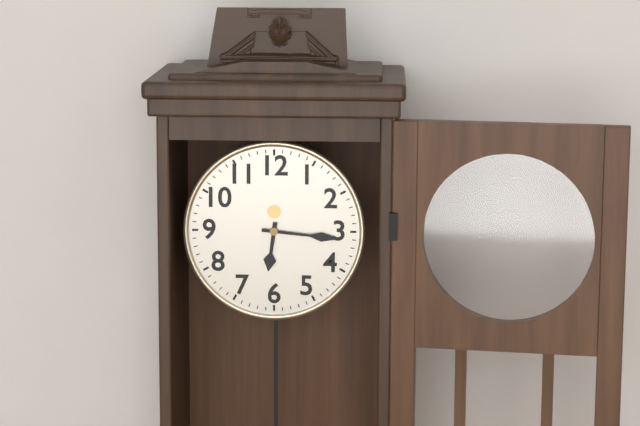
6:16
